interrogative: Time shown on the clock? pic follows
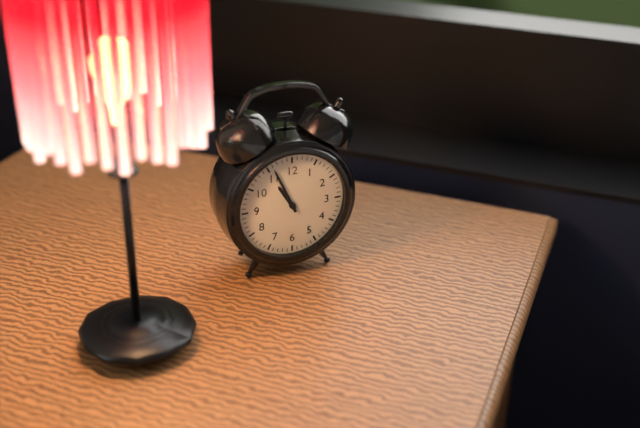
10:56
